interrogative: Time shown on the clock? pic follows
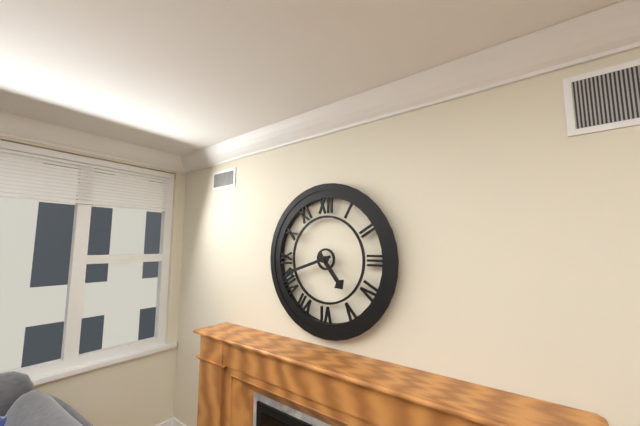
4:42
